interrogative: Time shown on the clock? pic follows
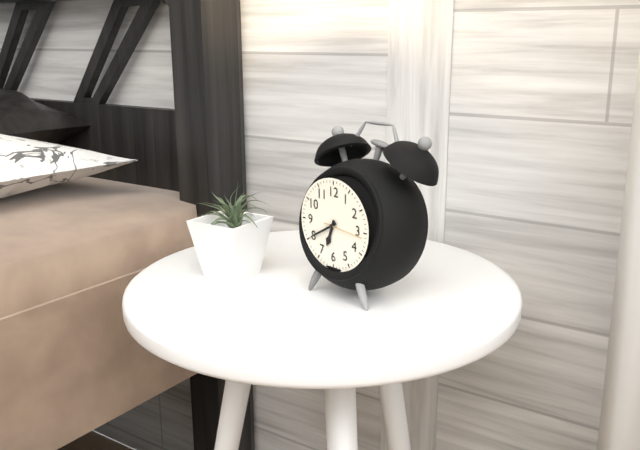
6:40
